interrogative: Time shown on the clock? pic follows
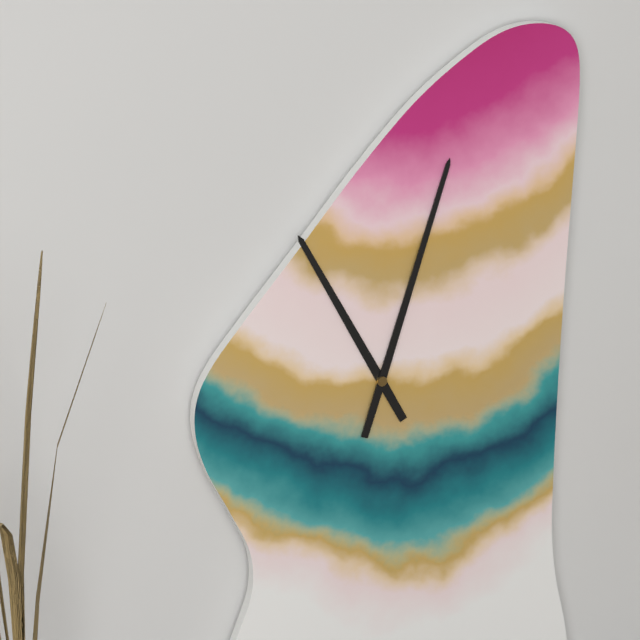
11:03
